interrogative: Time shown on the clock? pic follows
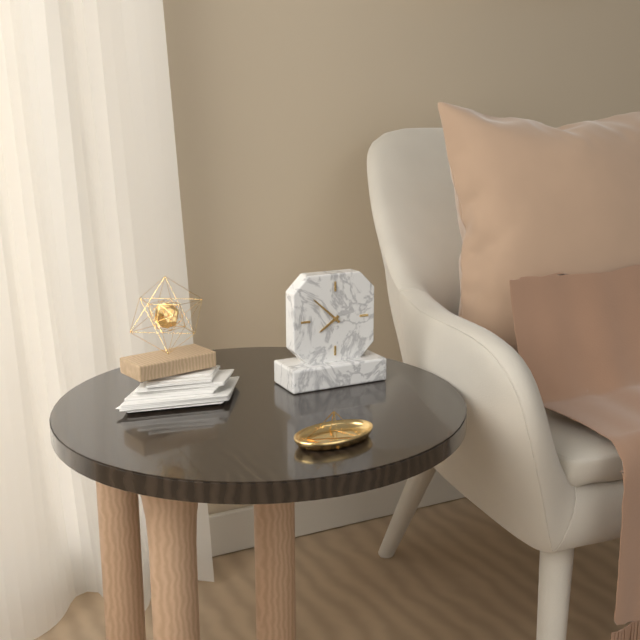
7:52
